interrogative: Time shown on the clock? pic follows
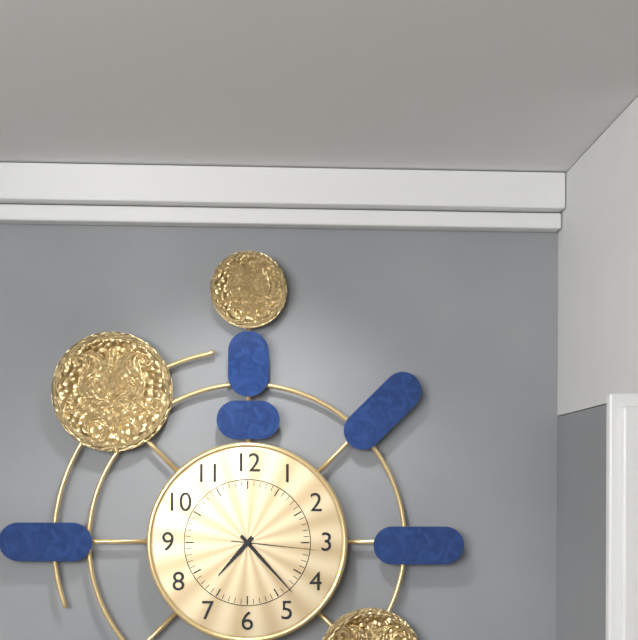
7:23:16
